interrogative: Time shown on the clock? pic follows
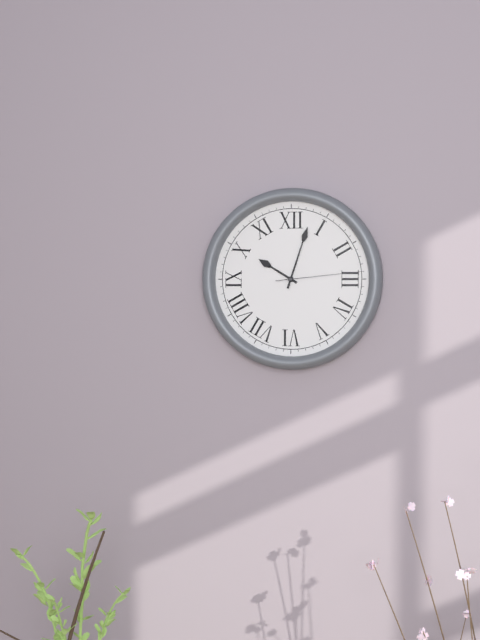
10:03:14
